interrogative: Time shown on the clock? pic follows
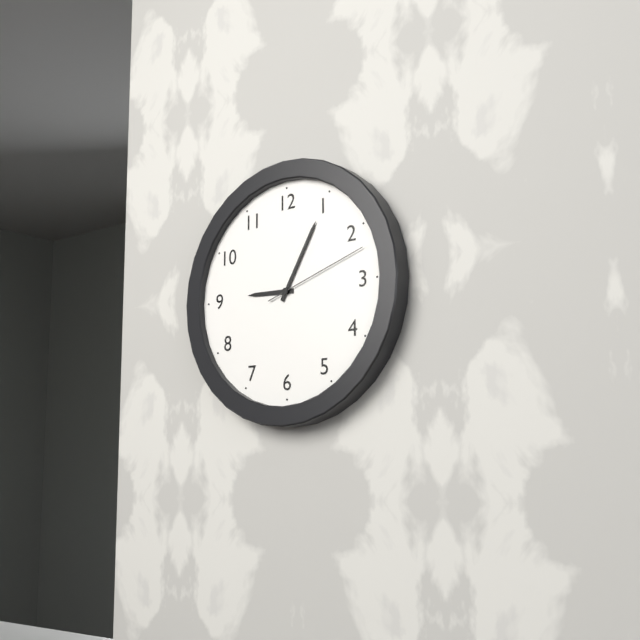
9:05:12
